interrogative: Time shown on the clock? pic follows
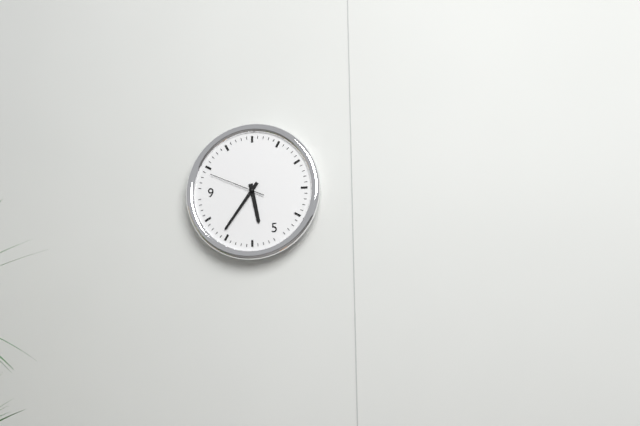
5:36:49
